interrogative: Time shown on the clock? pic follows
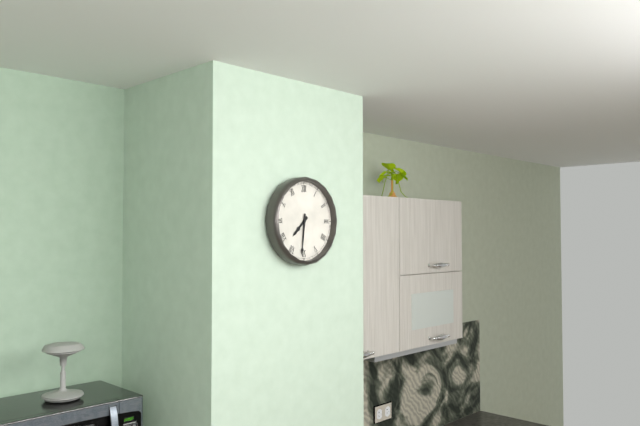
7:31
